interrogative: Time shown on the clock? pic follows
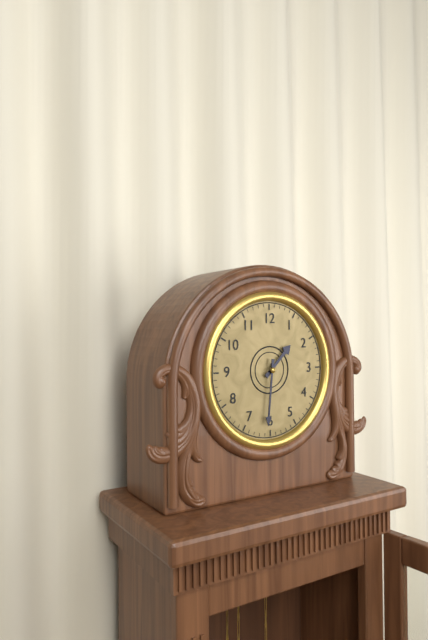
1:31
